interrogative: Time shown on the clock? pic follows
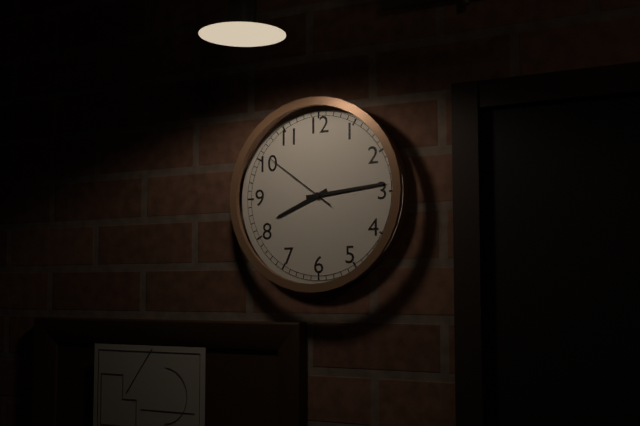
8:14:51
